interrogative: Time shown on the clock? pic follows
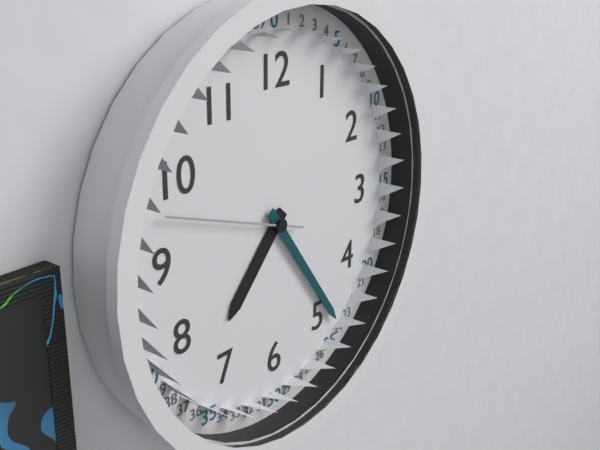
7:24:48
